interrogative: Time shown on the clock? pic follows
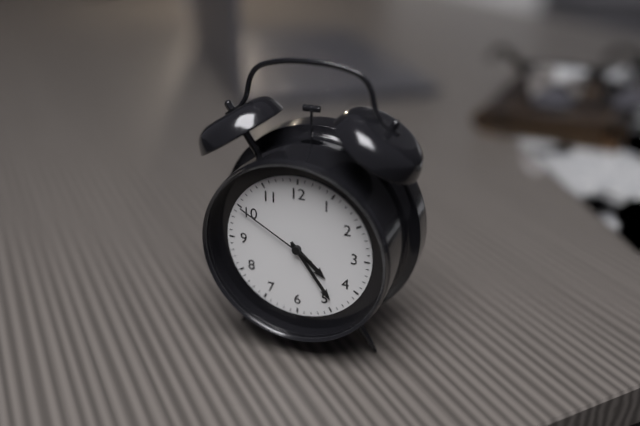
4:24:50
